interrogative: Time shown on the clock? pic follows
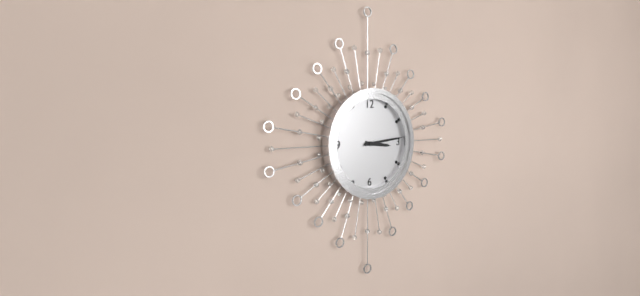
3:14
